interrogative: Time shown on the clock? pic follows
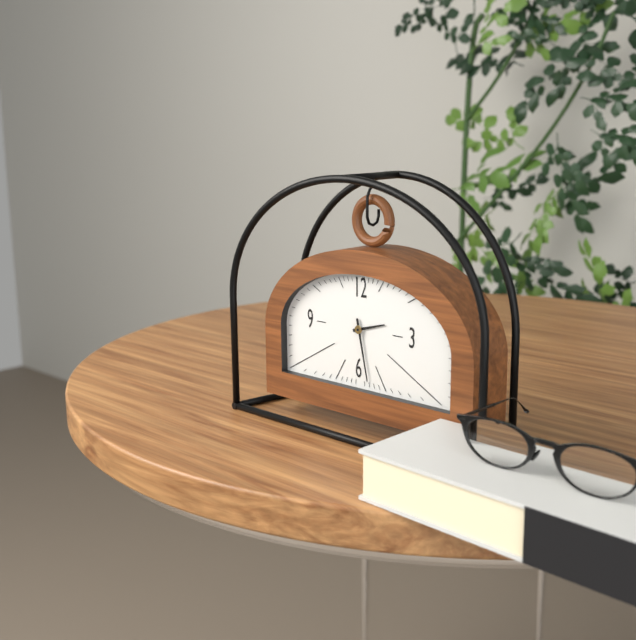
2:28
